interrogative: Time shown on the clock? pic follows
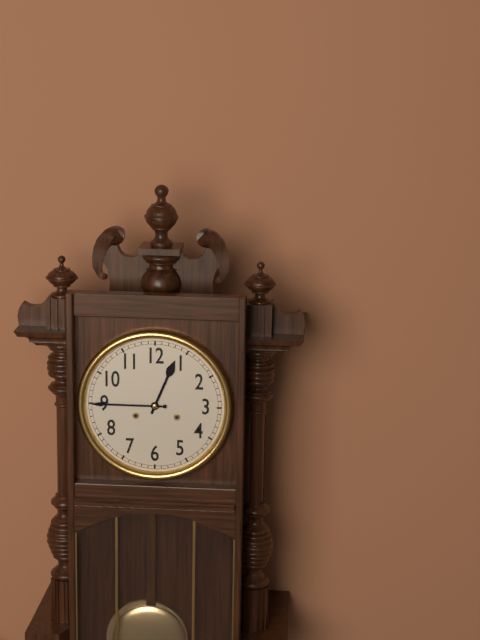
12:45
